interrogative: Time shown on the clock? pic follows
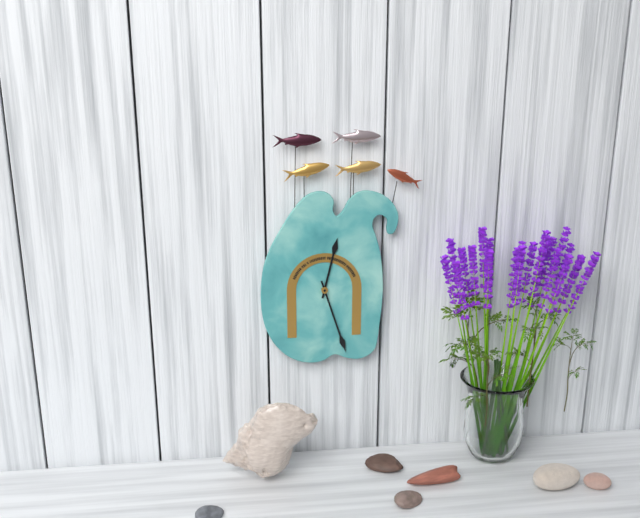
12:27
